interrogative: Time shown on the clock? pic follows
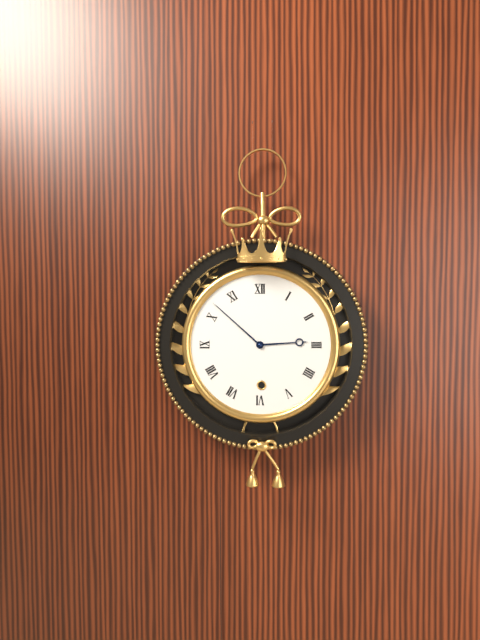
2:52
